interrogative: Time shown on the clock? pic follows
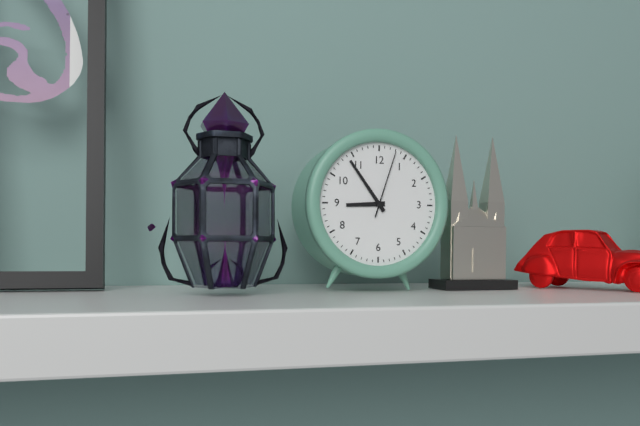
8:54:03
